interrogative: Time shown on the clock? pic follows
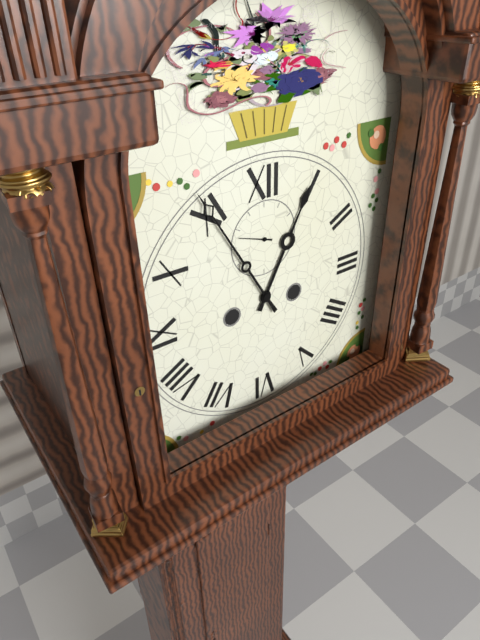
12:55
